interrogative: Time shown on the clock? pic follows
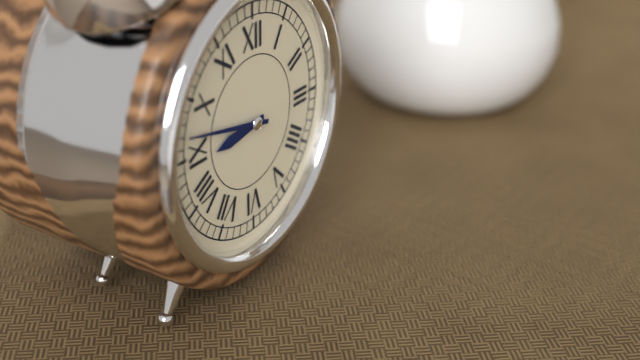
8:47
